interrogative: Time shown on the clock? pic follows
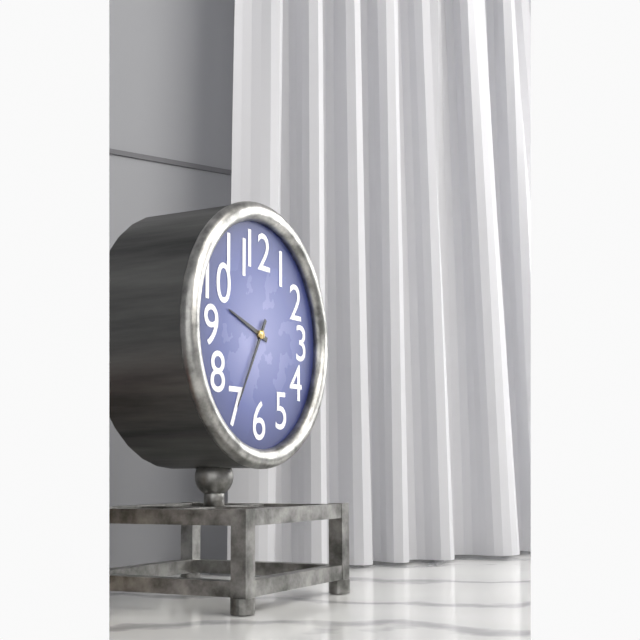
9:35
